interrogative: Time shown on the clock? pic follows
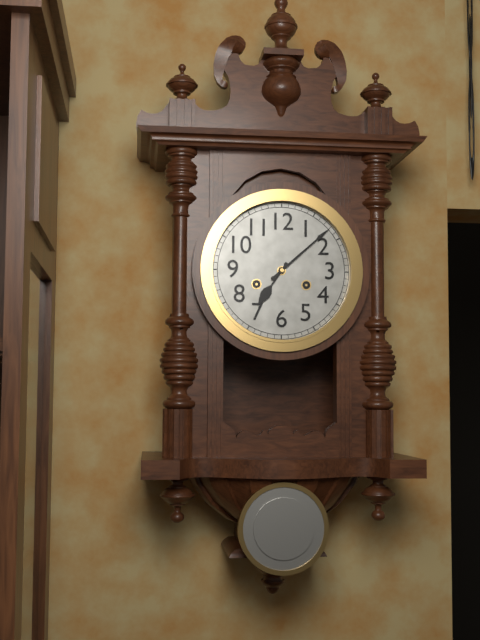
7:08
